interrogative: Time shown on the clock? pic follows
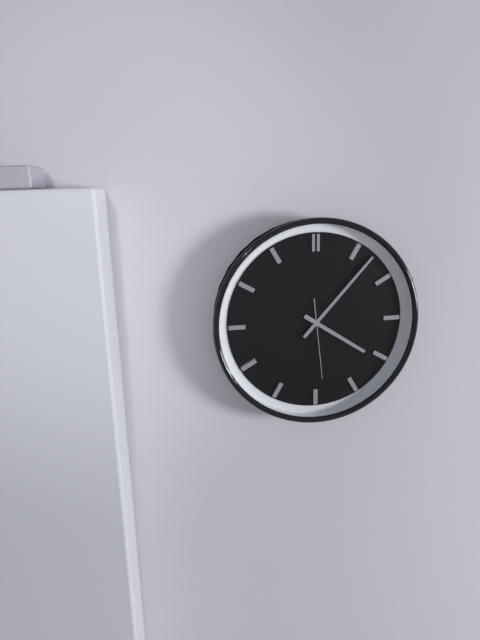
4:07:29
